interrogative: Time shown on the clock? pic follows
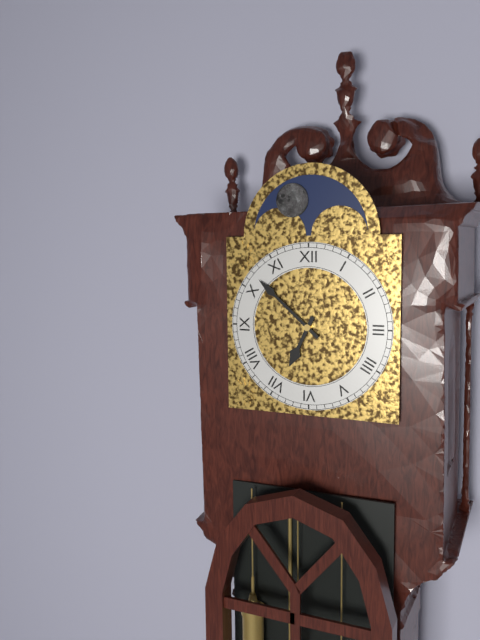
6:52
